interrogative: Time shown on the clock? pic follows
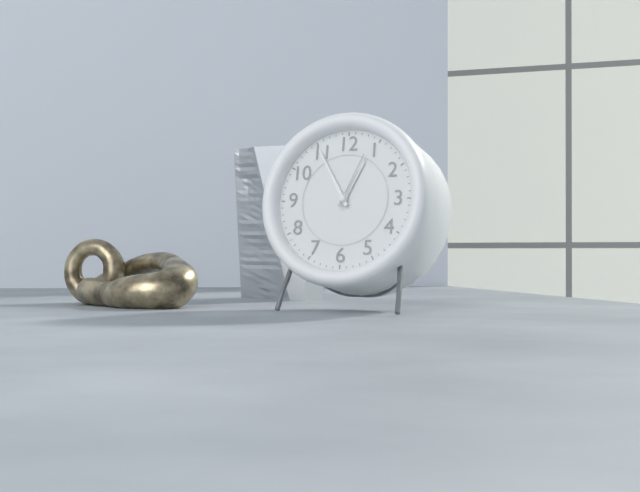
12:55:04
